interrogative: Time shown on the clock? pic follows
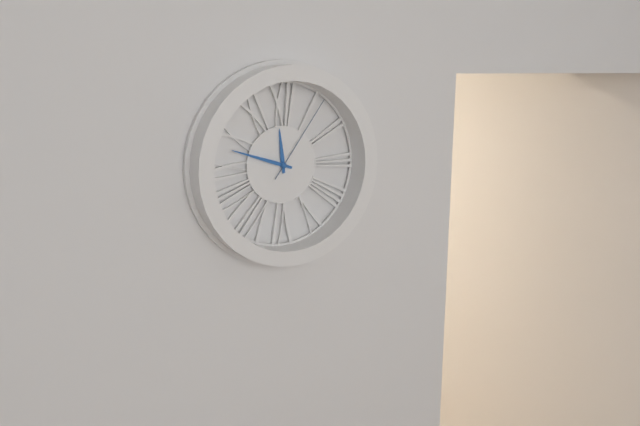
11:48:06
